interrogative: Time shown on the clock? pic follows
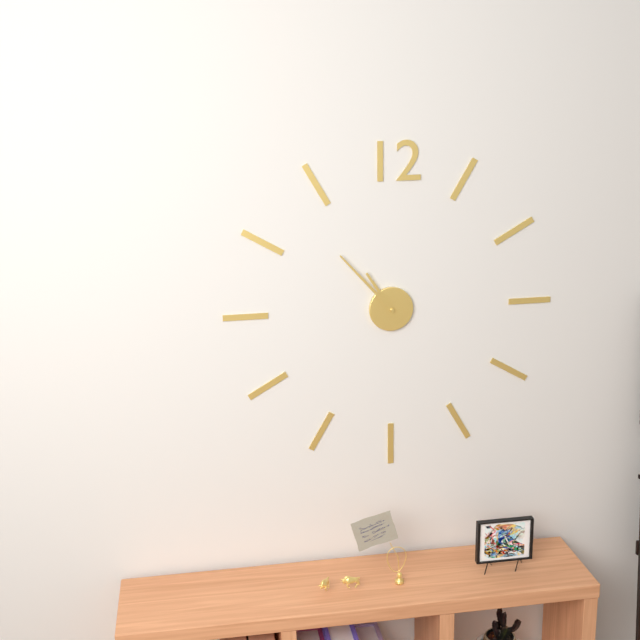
10:53
